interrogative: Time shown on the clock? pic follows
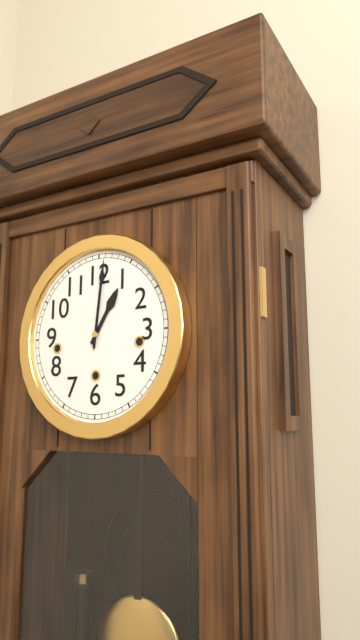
1:01
